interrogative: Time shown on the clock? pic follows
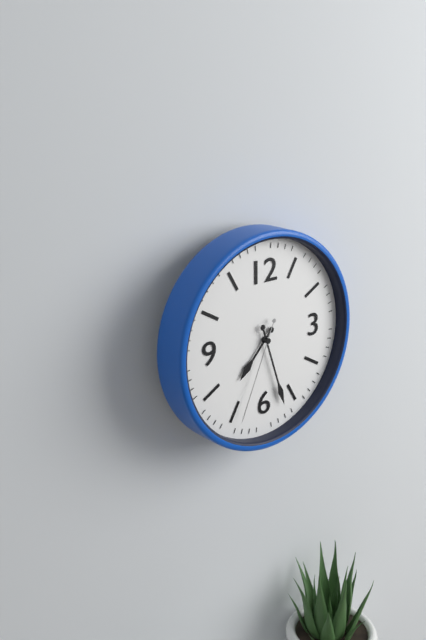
7:27:34
